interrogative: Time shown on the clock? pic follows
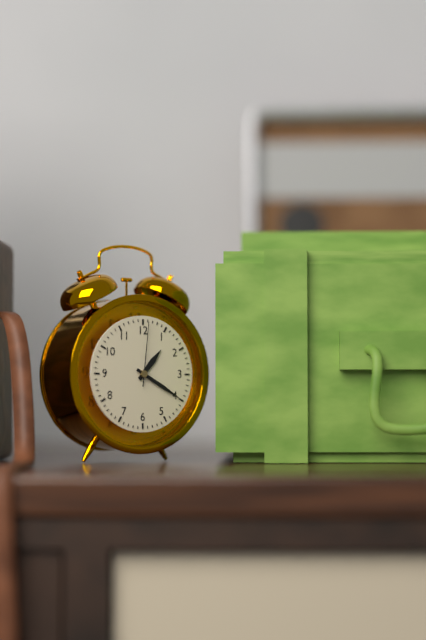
1:20:01
